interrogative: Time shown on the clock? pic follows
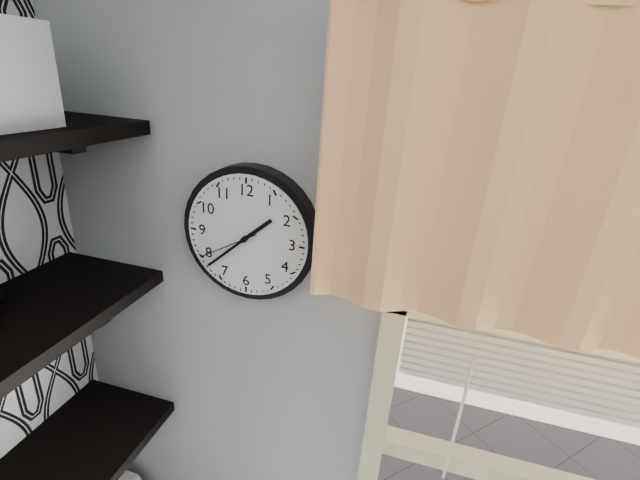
1:38:40
